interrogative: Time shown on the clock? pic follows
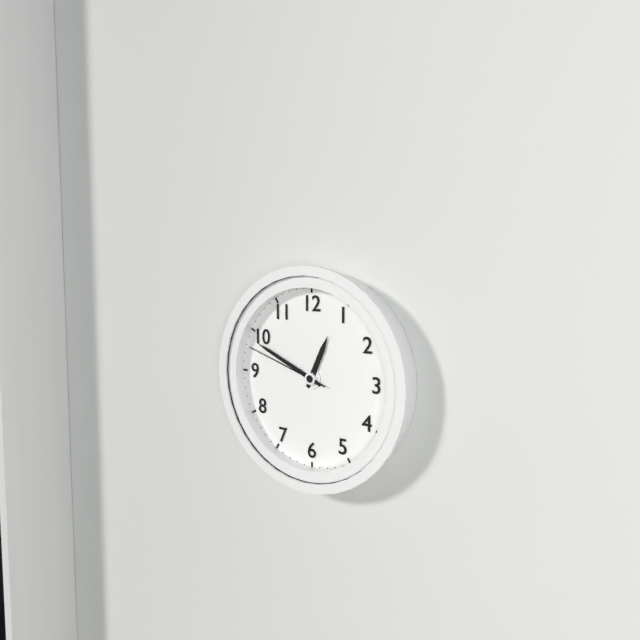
12:49:48
